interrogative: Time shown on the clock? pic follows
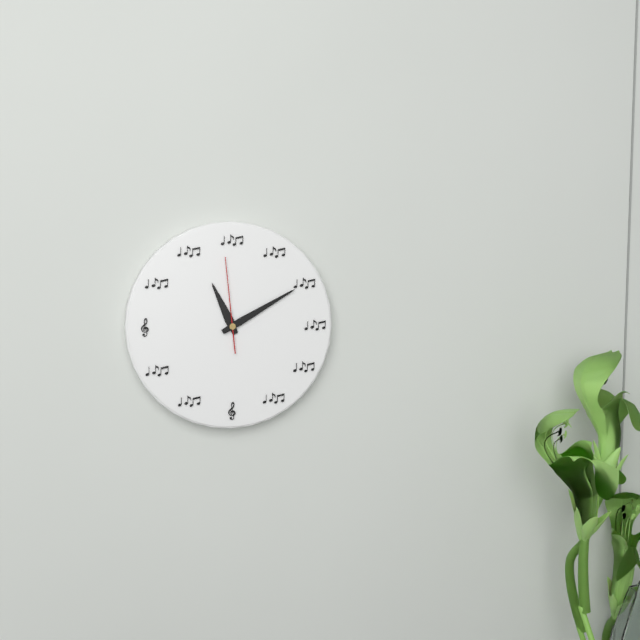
11:10:59
